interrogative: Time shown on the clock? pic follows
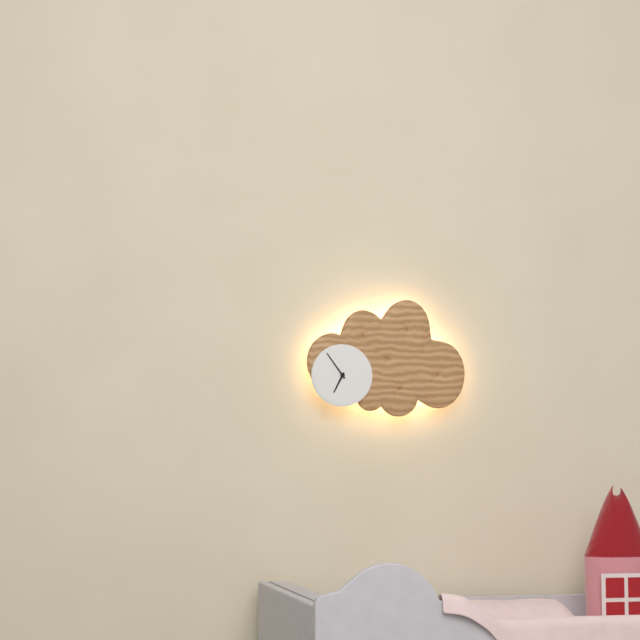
6:54
